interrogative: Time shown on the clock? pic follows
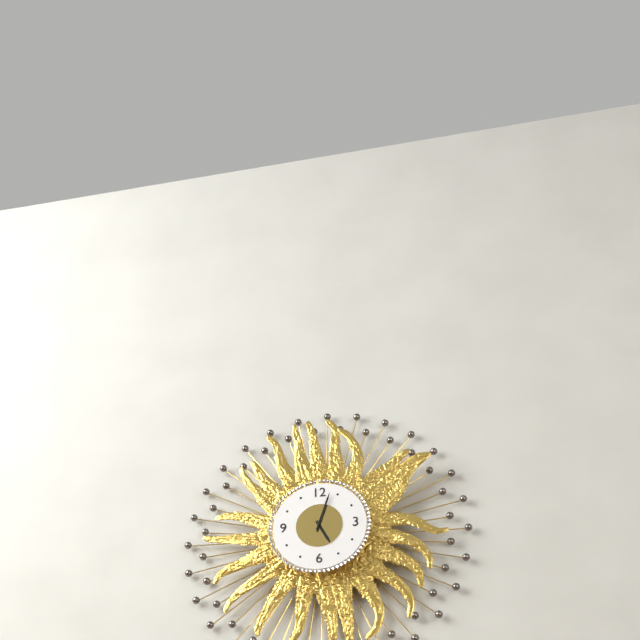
5:03
